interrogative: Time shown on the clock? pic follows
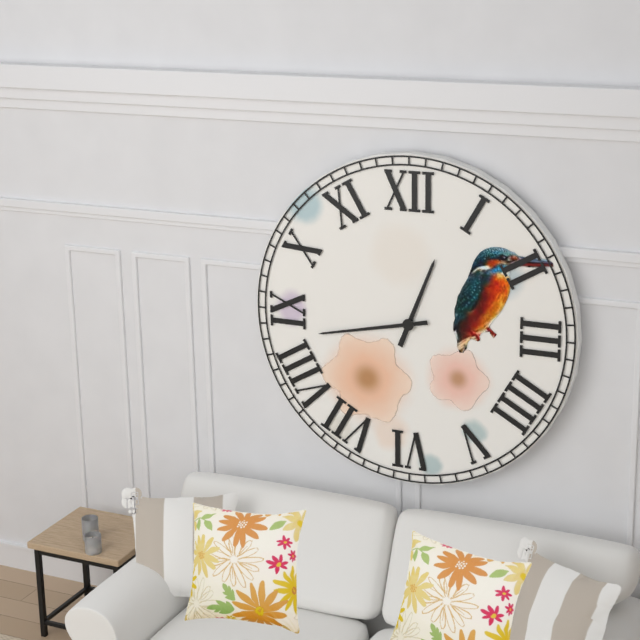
12:43
